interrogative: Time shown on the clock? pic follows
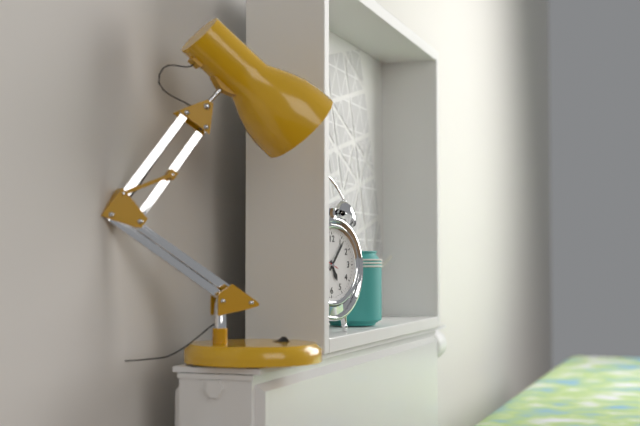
5:06
